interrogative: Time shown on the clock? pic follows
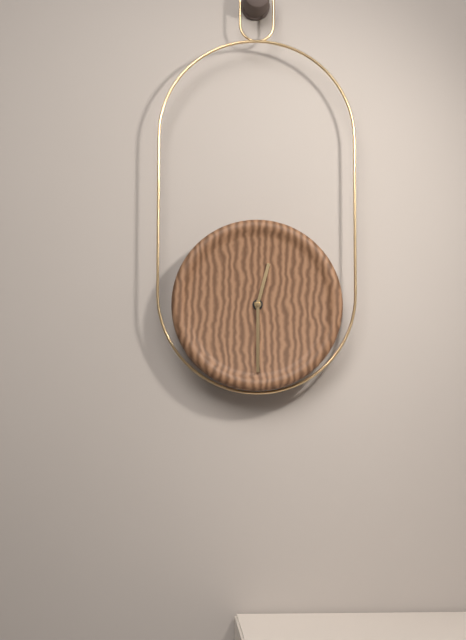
12:30
